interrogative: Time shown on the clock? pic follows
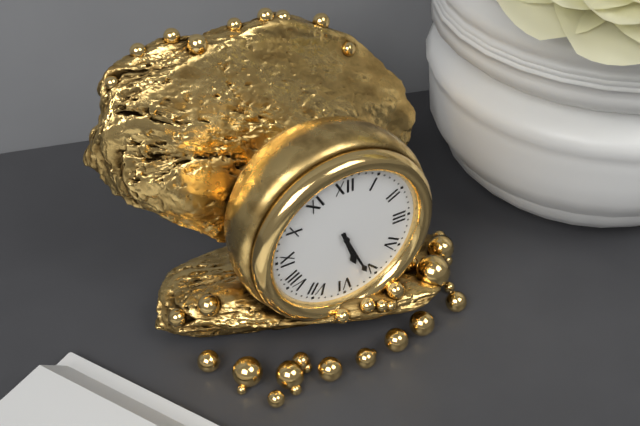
5:26
